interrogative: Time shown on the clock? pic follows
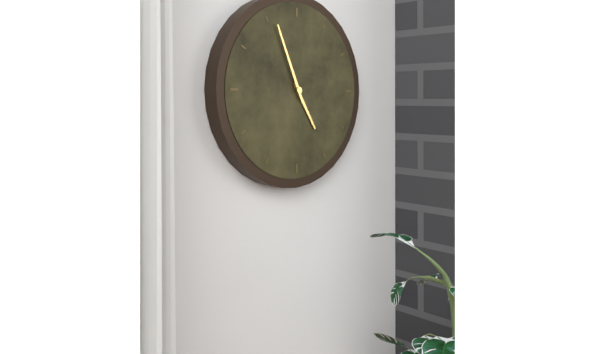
4:56
